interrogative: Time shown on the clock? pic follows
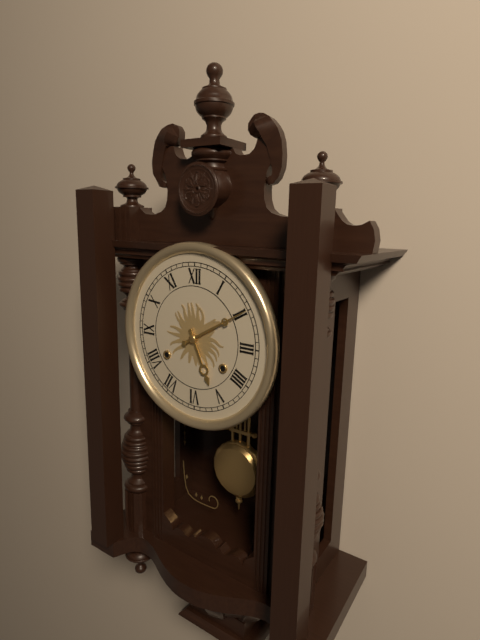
5:10
